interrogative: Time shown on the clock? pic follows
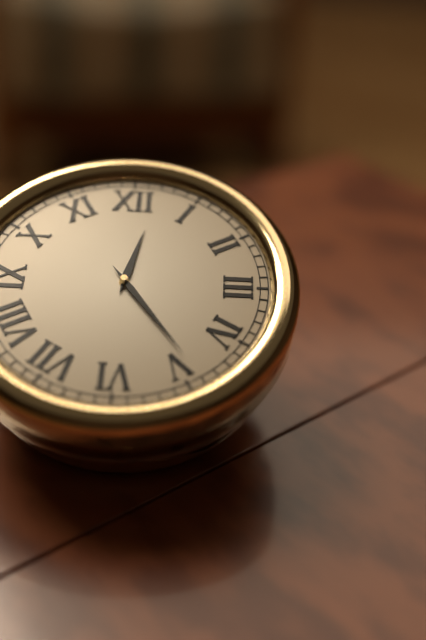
12:24
